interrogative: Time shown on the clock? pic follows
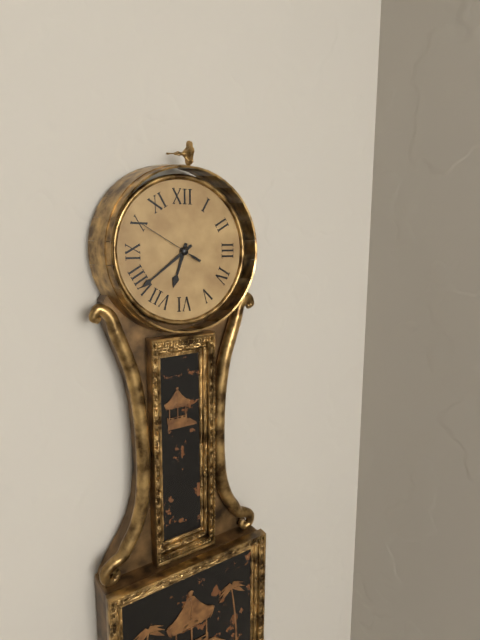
6:39:50
